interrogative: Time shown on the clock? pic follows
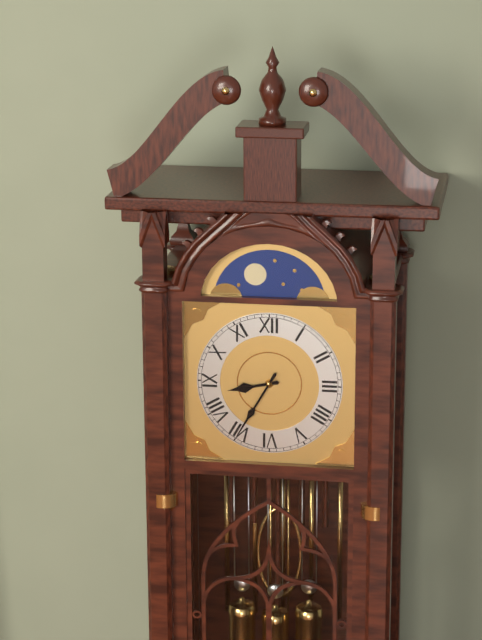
8:35
